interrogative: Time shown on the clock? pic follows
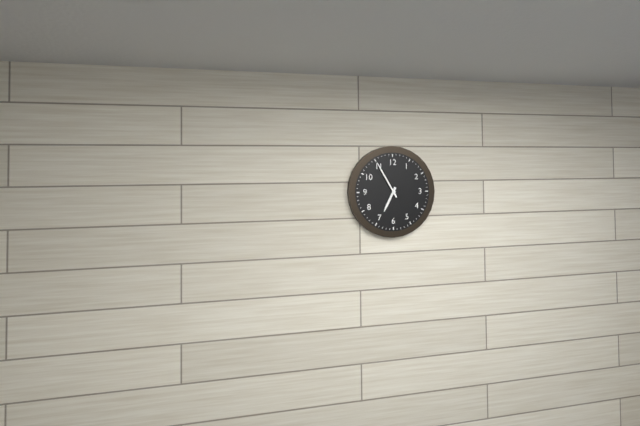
6:55
